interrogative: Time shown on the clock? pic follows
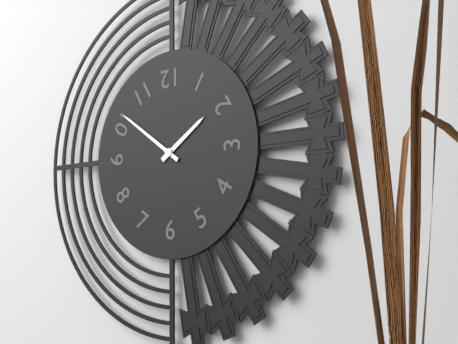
1:51
